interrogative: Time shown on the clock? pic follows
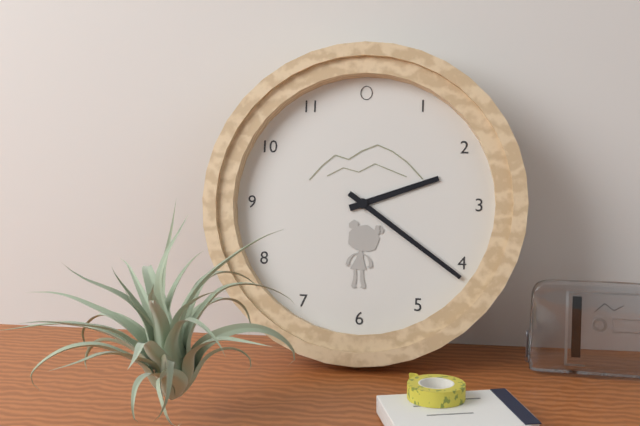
2:21
